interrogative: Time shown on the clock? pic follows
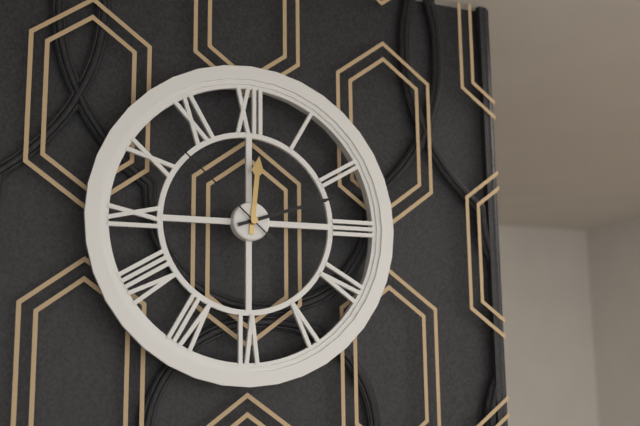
12:12:52
